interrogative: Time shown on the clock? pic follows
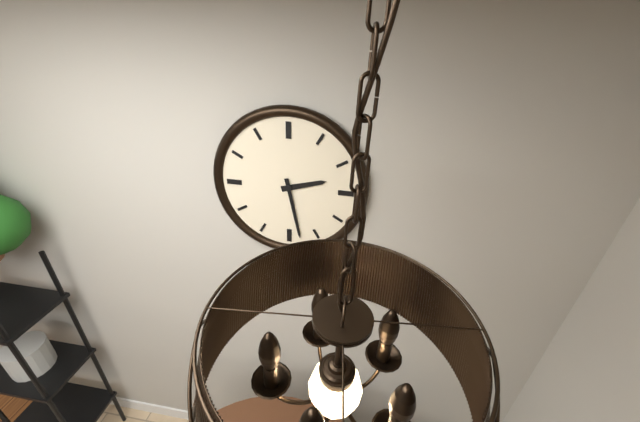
2:28
